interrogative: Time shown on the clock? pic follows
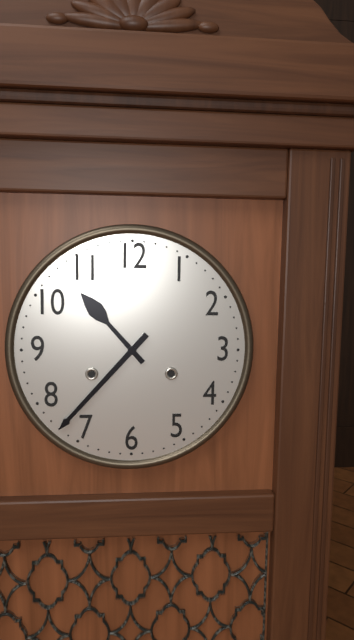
10:37
